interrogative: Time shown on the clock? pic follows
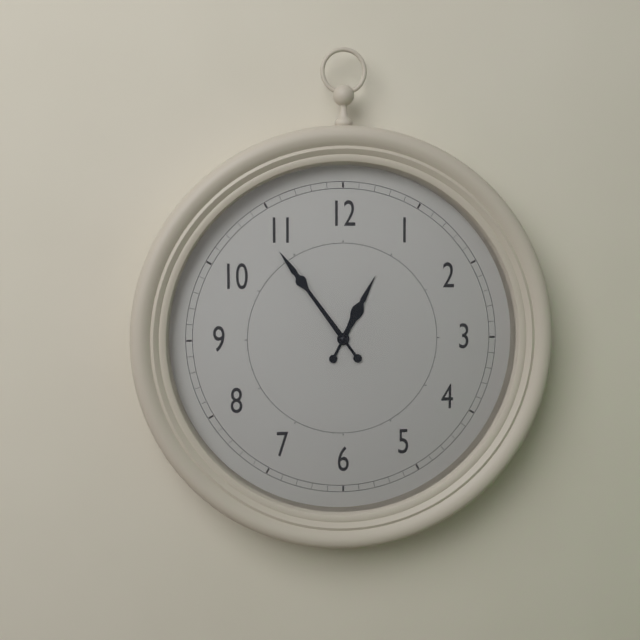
12:54
